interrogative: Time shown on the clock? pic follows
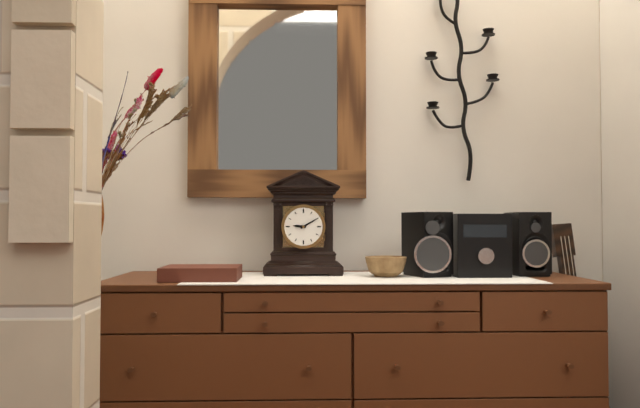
9:10
